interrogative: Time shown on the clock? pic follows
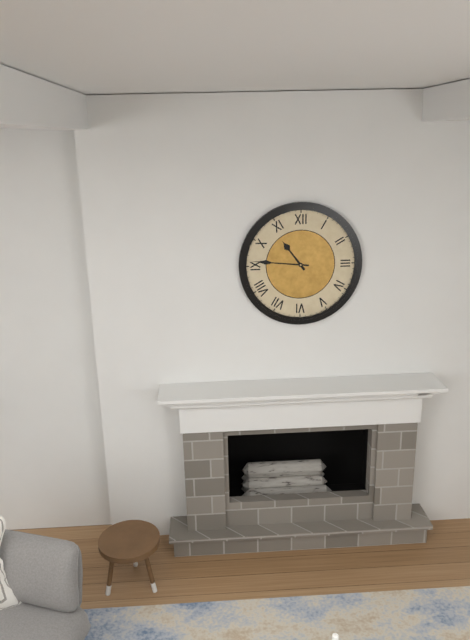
10:46
